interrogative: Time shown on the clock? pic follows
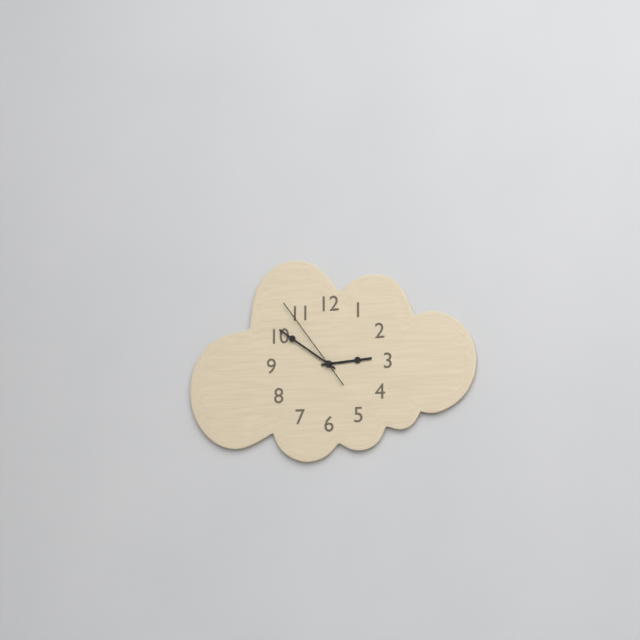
2:51:54
